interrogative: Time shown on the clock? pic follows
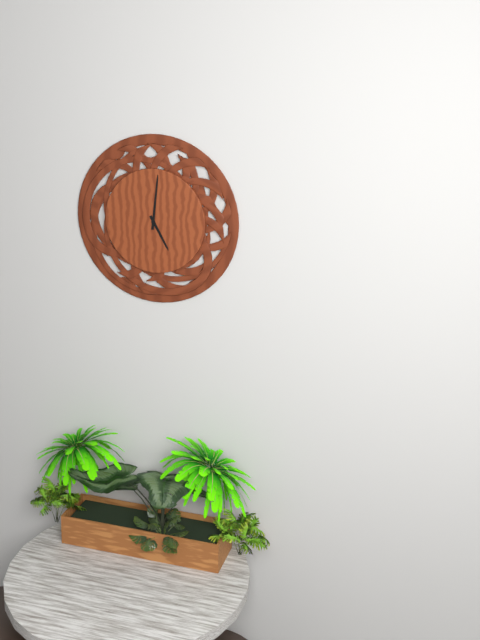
5:01
